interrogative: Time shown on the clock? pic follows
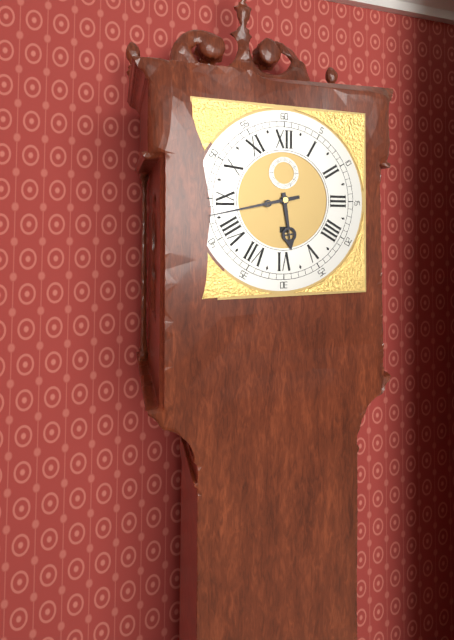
5:43
